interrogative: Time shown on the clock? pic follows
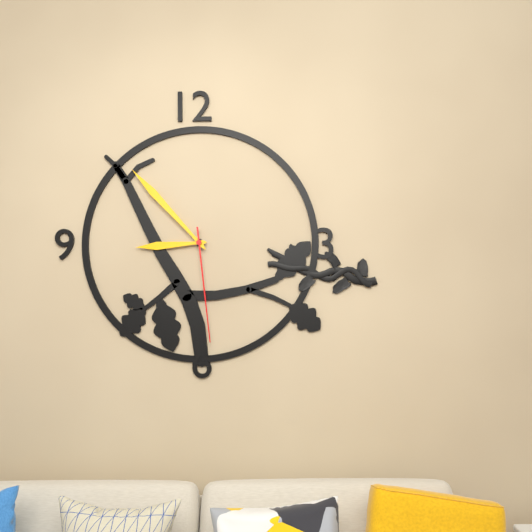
8:53:29
